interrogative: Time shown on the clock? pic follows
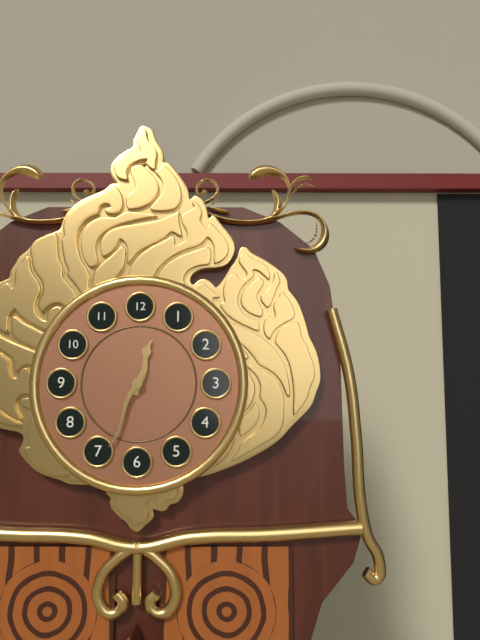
12:34
